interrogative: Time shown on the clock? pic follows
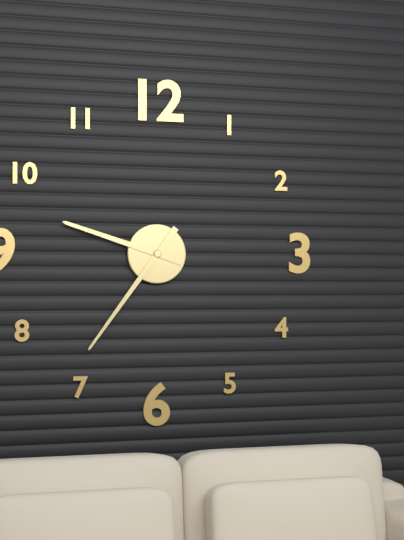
9:36
